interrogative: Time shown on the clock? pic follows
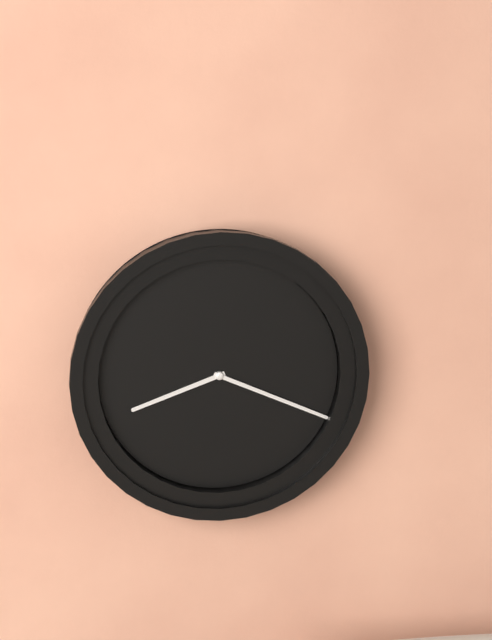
8:19
